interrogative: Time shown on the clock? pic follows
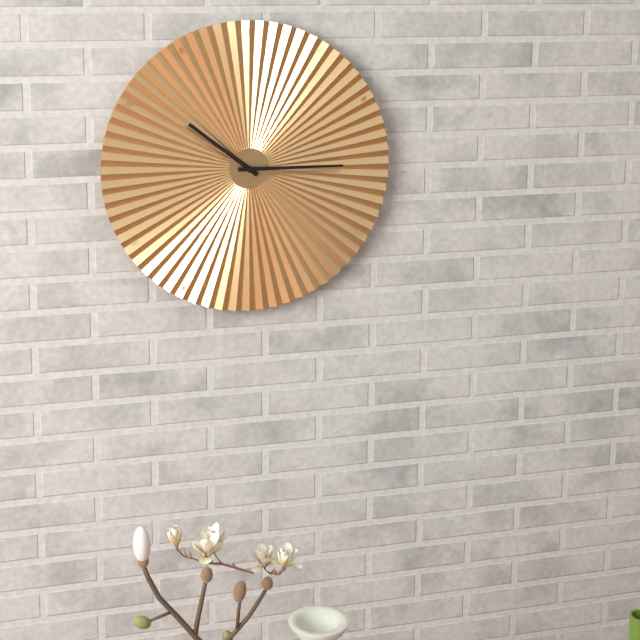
10:15
